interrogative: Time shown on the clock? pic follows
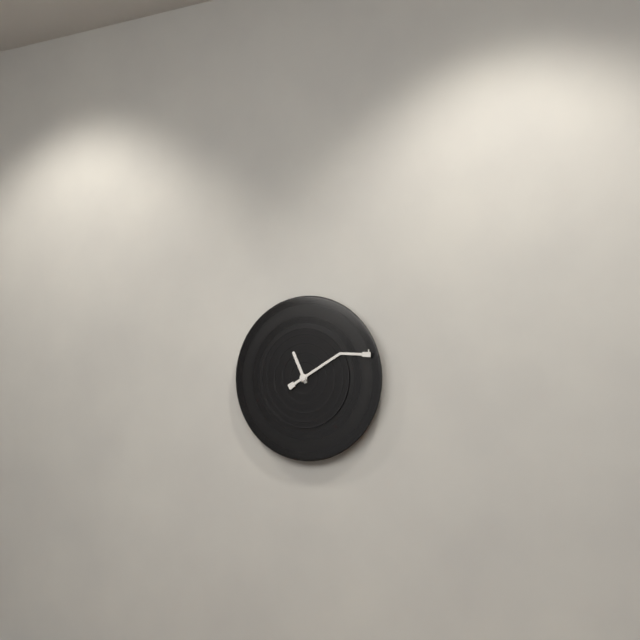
11:10
